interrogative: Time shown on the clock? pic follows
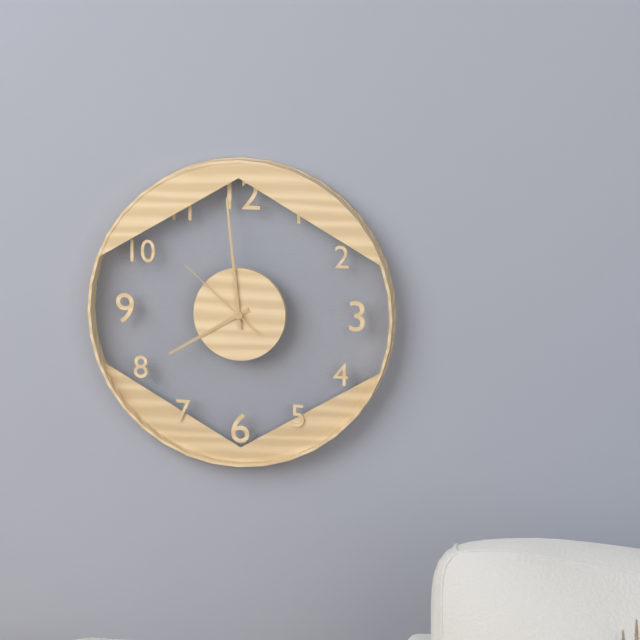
7:59:52
